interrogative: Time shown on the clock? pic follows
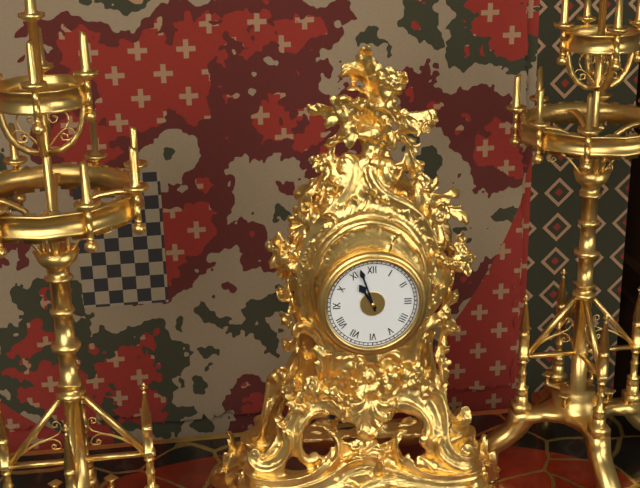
10:57
